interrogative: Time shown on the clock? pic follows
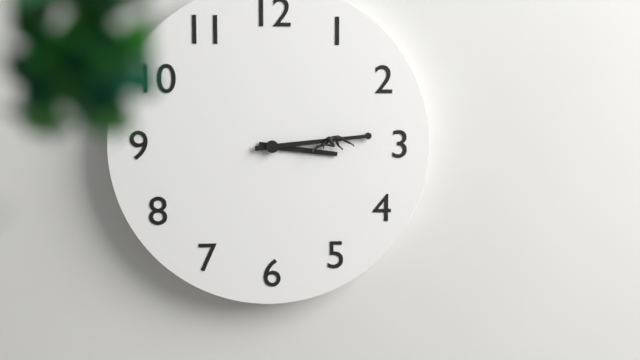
3:14
